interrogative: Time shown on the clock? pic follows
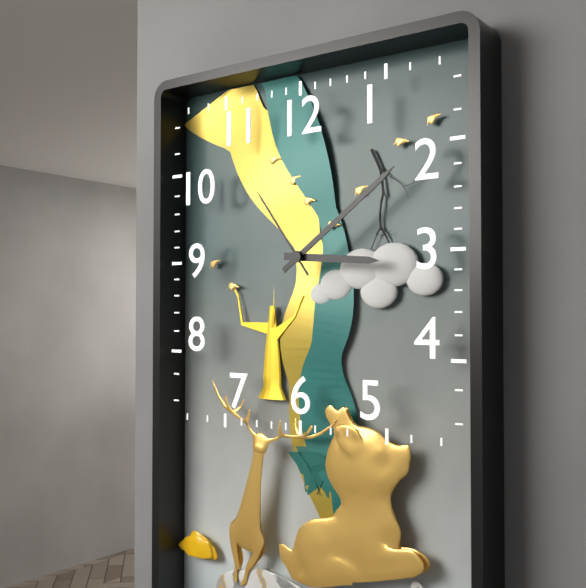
3:09:54
